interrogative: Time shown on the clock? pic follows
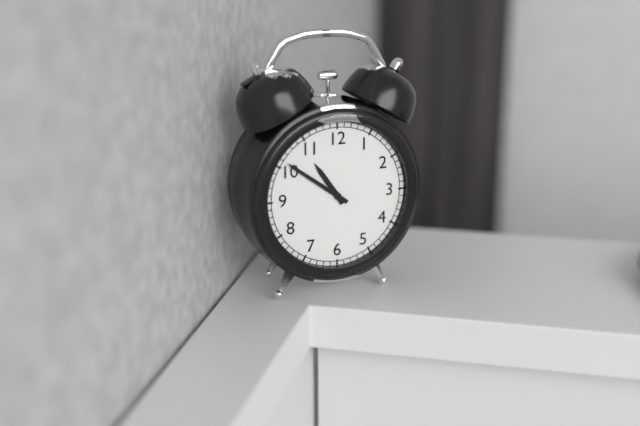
10:51
